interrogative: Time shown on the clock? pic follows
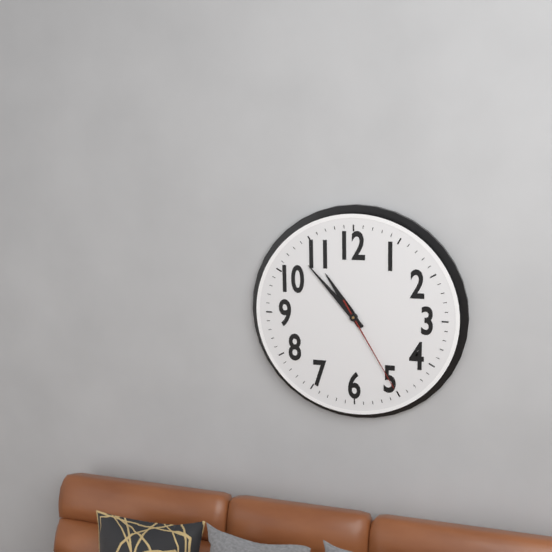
10:53:25
